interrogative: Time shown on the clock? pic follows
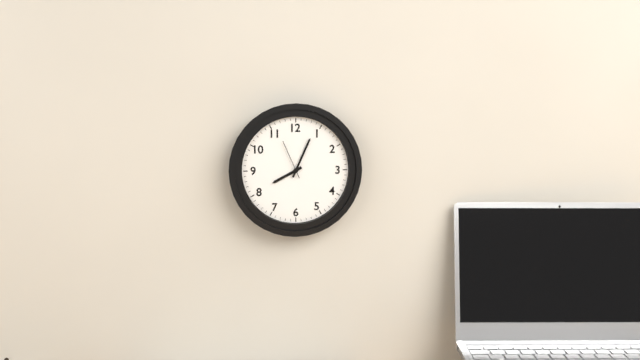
8:04
